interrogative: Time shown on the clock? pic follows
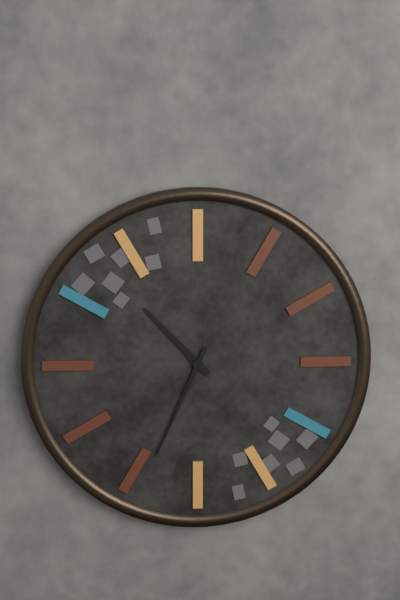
10:34
